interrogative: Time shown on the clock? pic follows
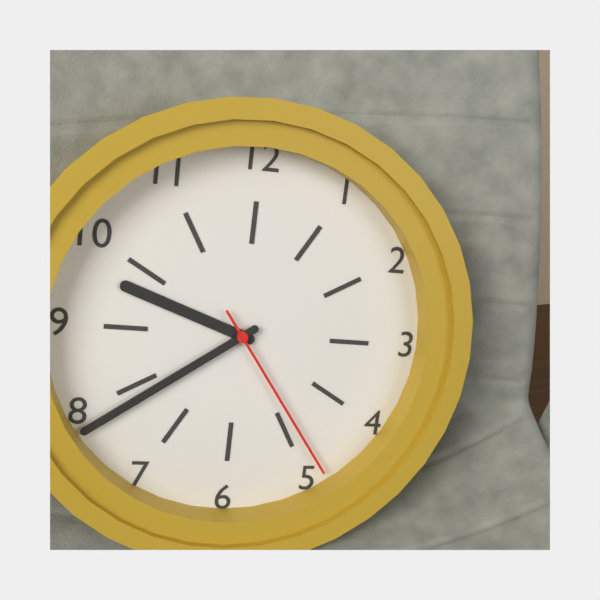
9:39:24
